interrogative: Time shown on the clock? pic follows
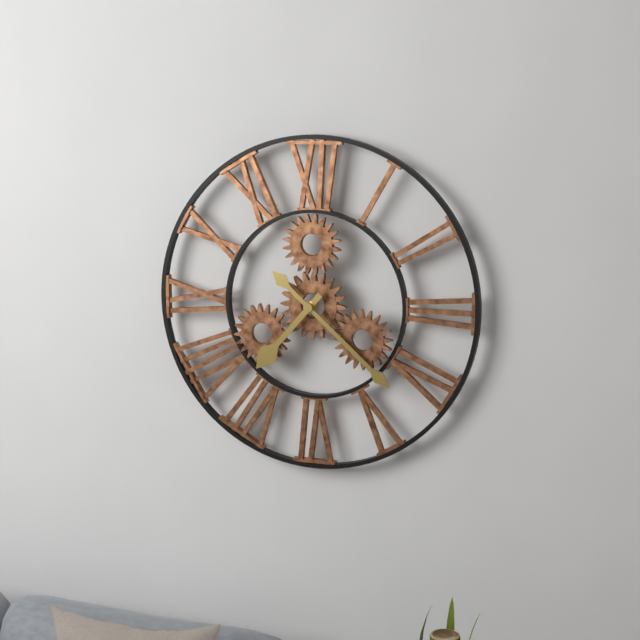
7:22
